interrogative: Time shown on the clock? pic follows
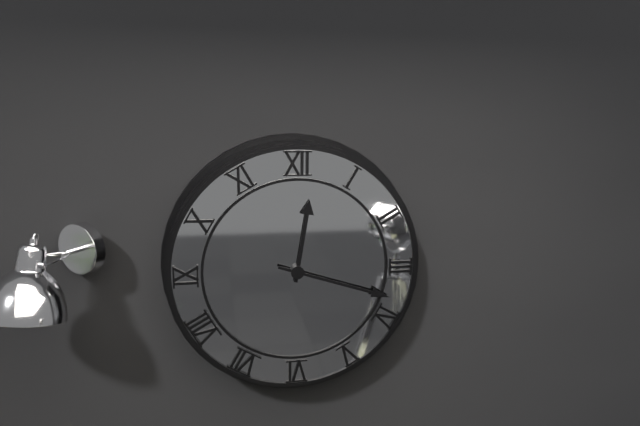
12:18
